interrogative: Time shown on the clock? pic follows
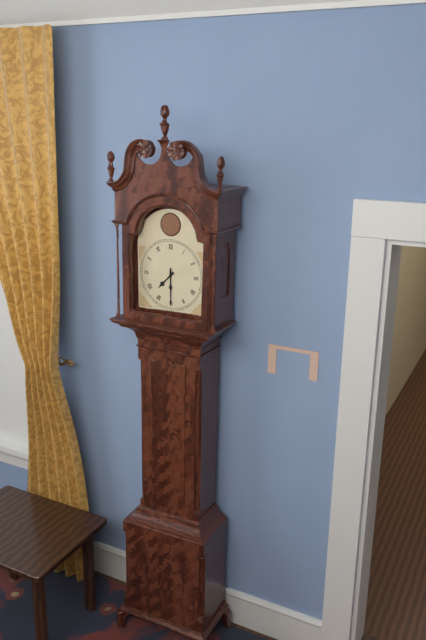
7:30
